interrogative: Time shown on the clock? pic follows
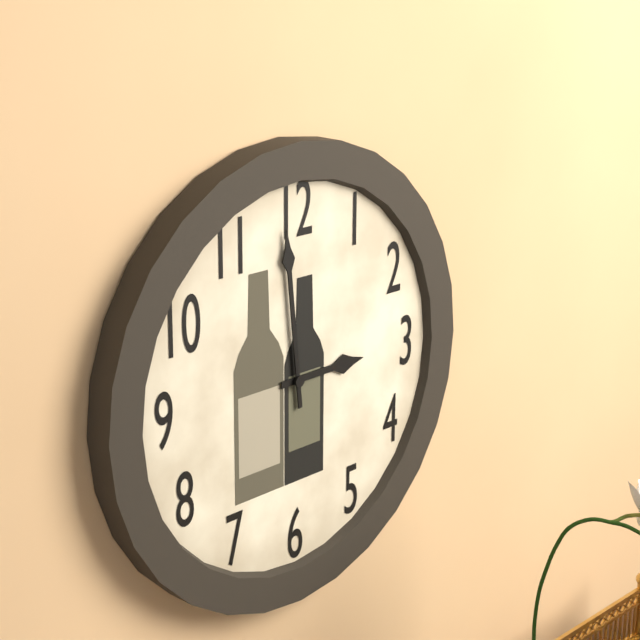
2:59
